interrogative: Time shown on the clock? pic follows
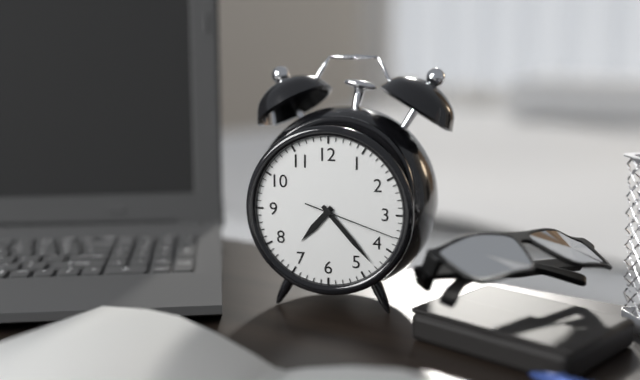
7:23:18
